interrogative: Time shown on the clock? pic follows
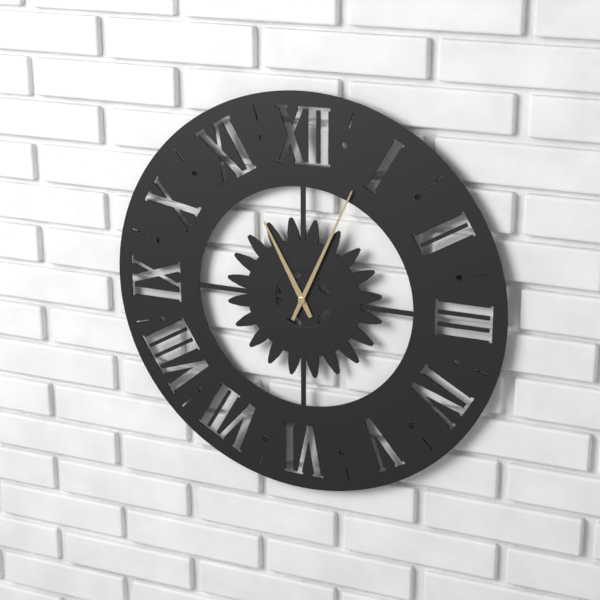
11:04
